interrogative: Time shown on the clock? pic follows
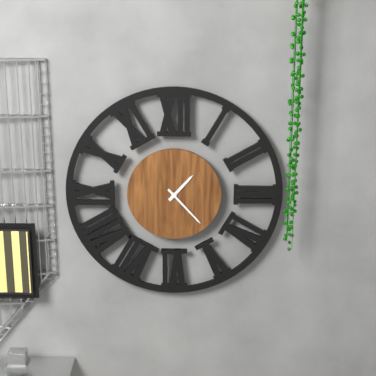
1:23
